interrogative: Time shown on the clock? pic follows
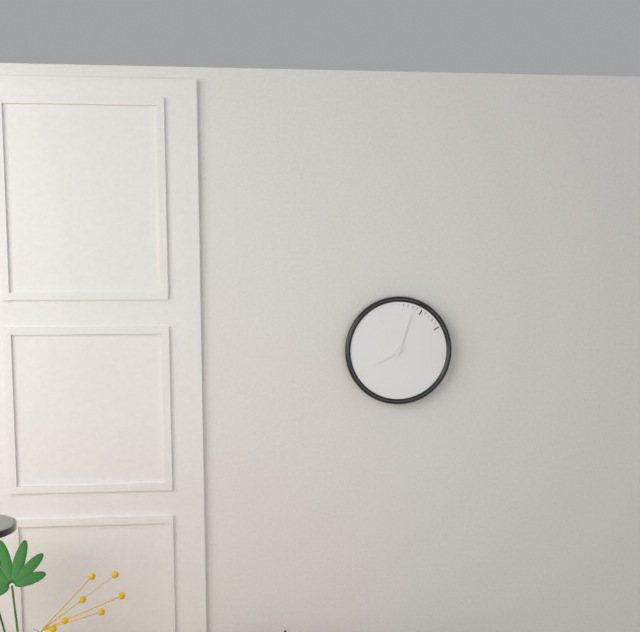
8:03
